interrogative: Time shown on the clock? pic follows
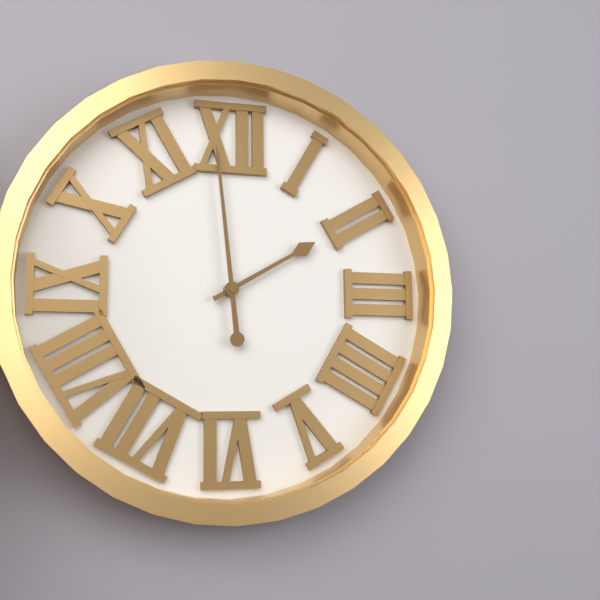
1:59
